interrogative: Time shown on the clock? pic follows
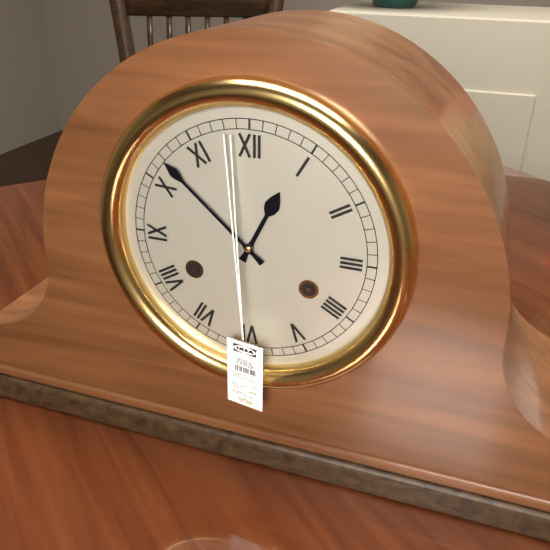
12:52
